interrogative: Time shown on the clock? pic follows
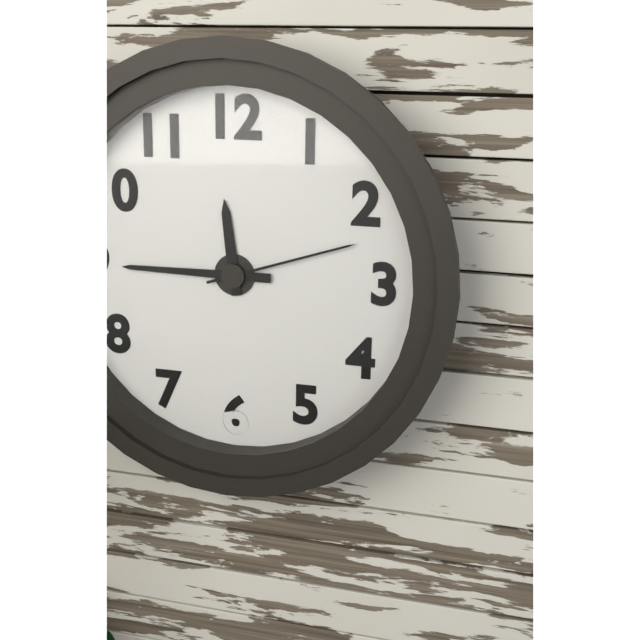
11:45:12
